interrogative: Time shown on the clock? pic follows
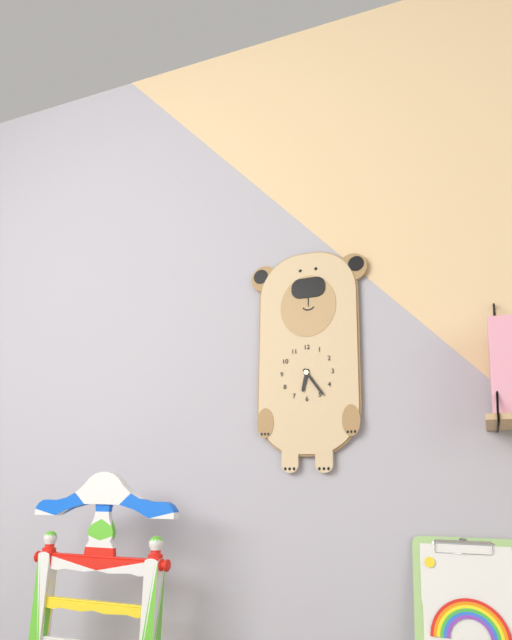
6:24
